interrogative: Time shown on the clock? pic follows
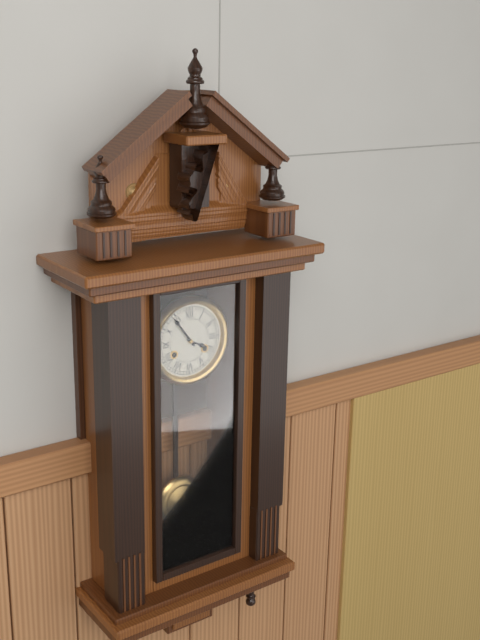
3:54
